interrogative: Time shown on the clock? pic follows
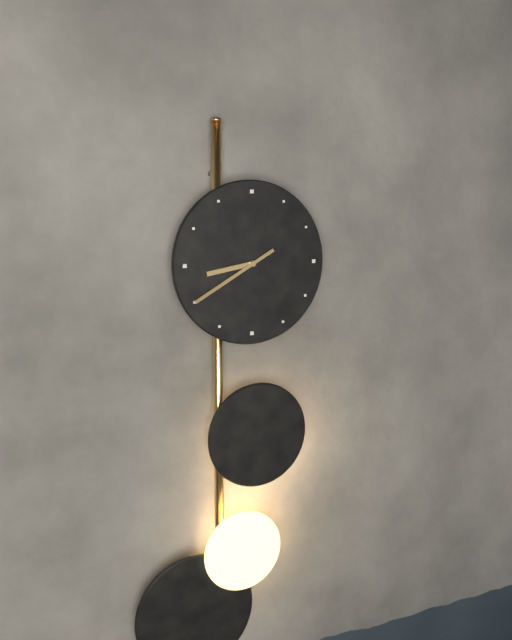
8:40
